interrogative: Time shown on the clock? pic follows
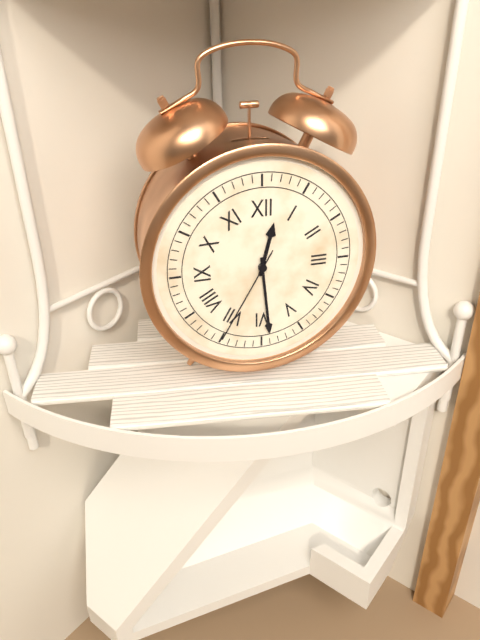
12:29:35
